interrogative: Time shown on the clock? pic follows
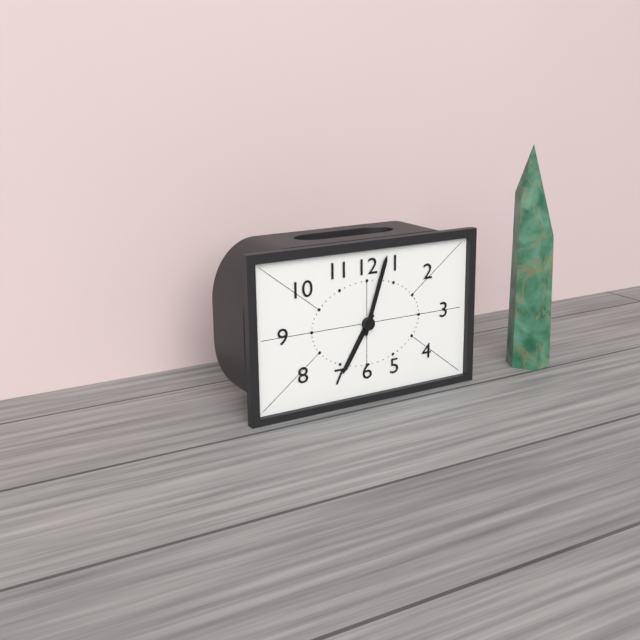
7:03
